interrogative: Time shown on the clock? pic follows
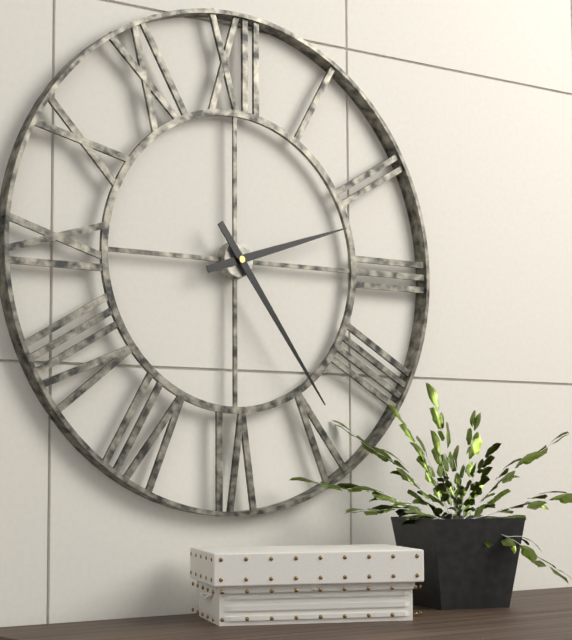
2:24
